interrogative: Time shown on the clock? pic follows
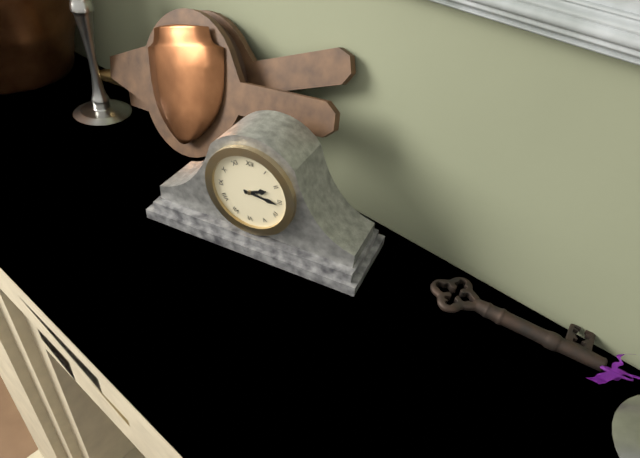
2:16
